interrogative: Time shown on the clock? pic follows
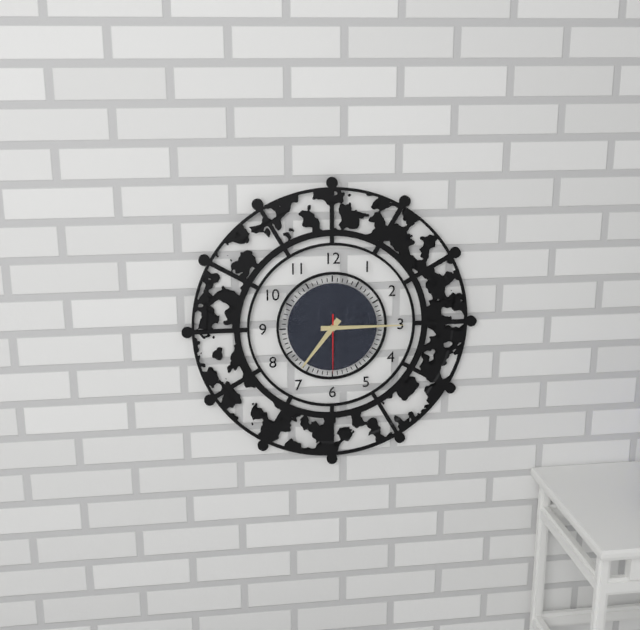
7:15:30
